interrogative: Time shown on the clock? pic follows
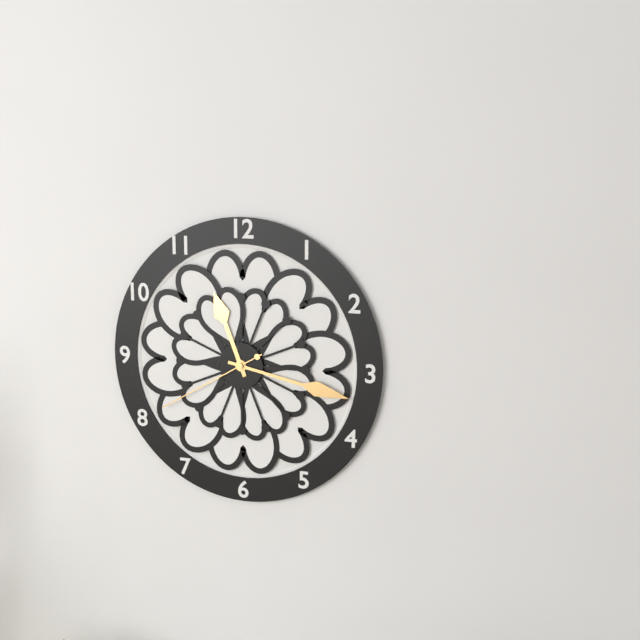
11:17:40
